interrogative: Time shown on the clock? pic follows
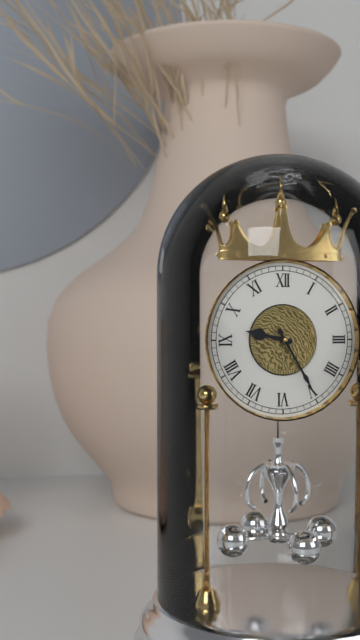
9:25
